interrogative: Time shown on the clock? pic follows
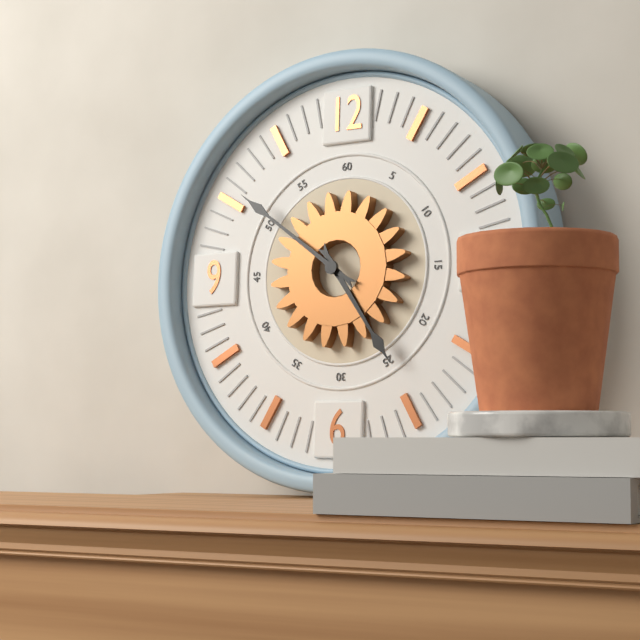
4:51
